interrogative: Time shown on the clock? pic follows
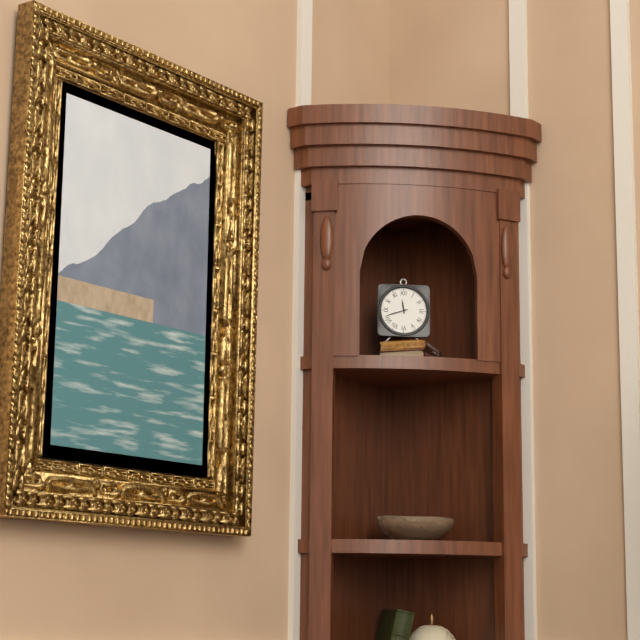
11:42
